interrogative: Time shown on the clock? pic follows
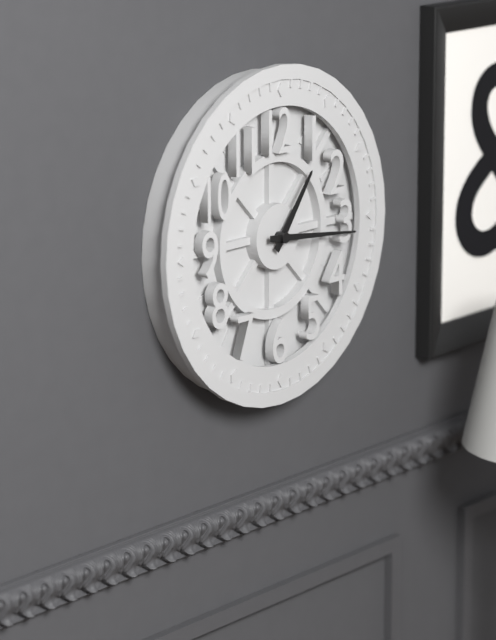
1:16
